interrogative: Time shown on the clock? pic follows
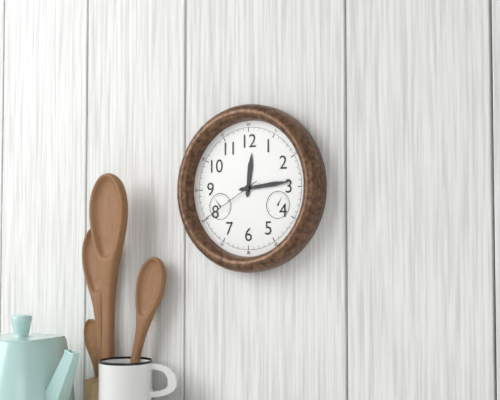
12:14:40
